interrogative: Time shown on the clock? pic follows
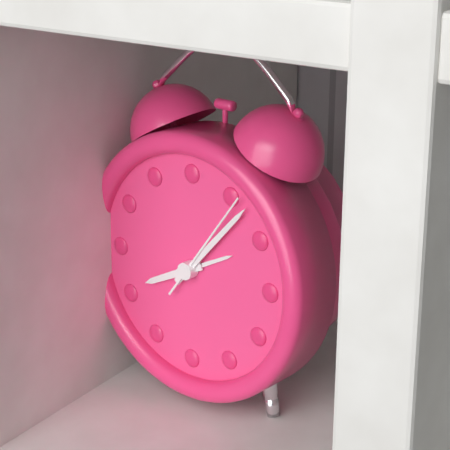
8:07:06
